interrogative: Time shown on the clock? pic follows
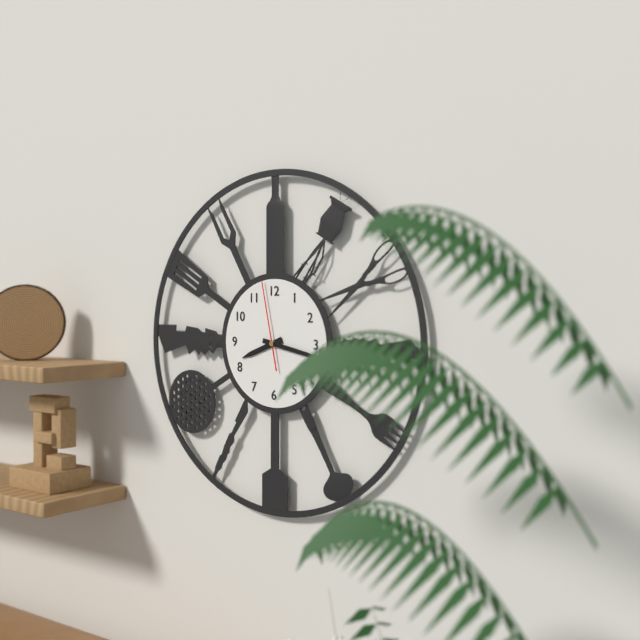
8:17:58
